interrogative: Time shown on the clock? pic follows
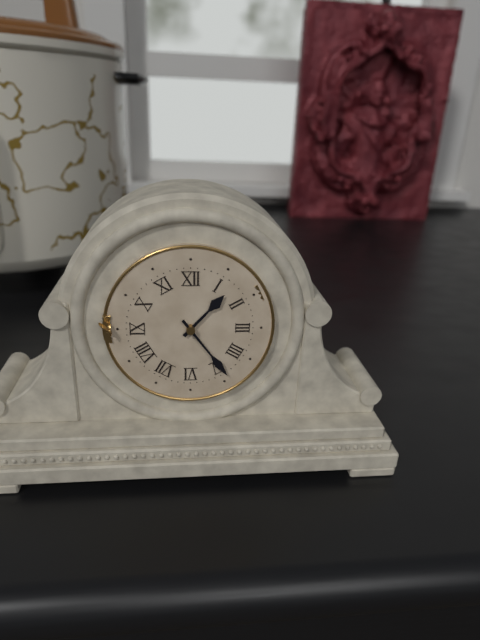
1:24
